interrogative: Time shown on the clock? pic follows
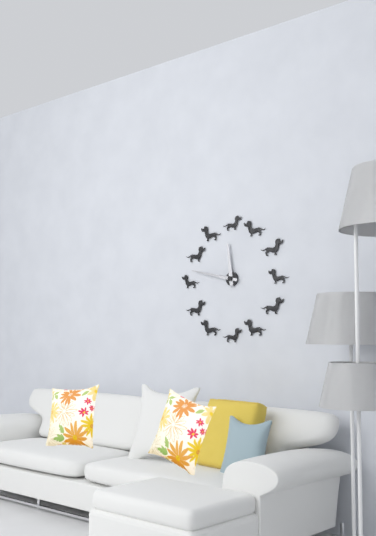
11:47
